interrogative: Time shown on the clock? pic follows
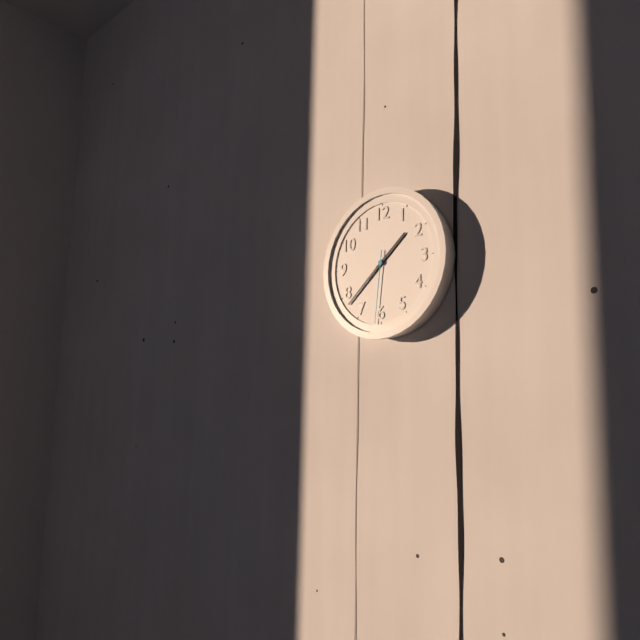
1:38:31
